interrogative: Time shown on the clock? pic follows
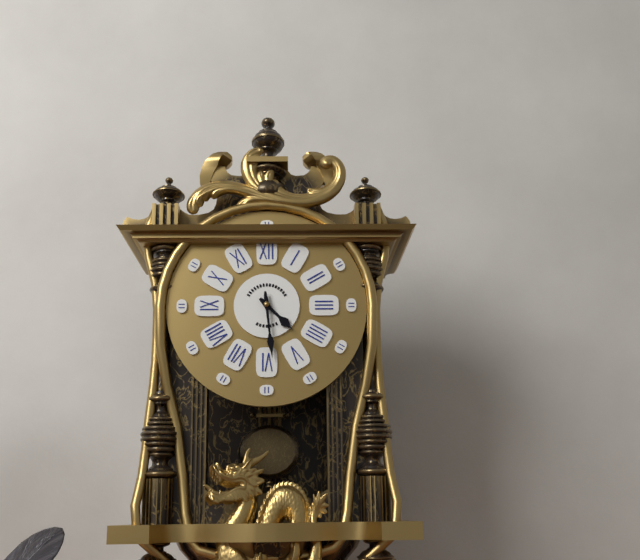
4:29
